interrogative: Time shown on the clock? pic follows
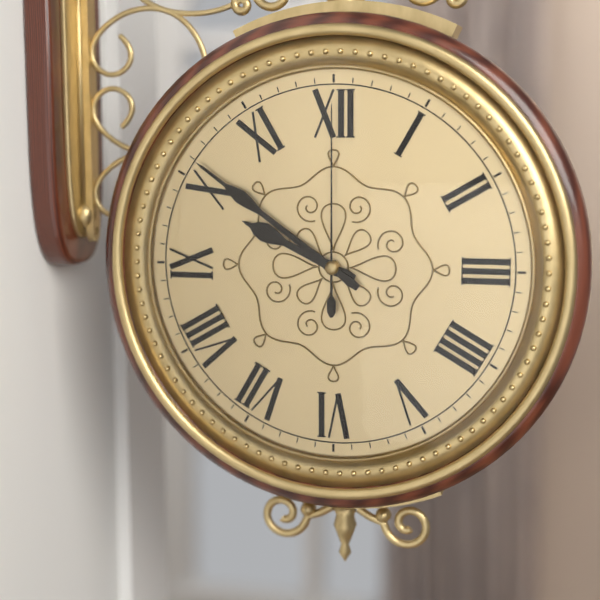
9:51:00
